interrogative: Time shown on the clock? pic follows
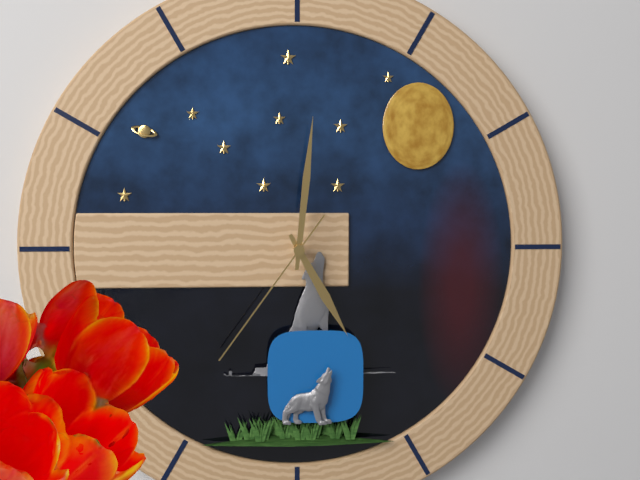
5:01:36
